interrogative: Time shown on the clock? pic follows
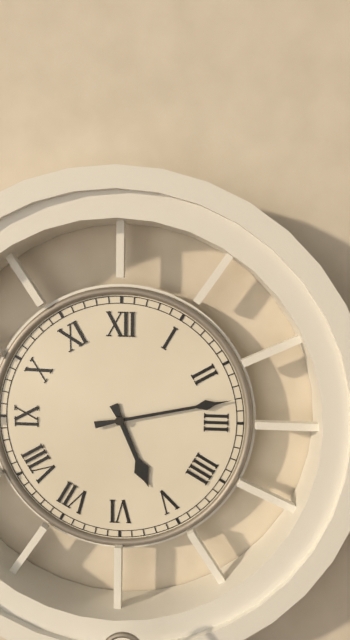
5:13
